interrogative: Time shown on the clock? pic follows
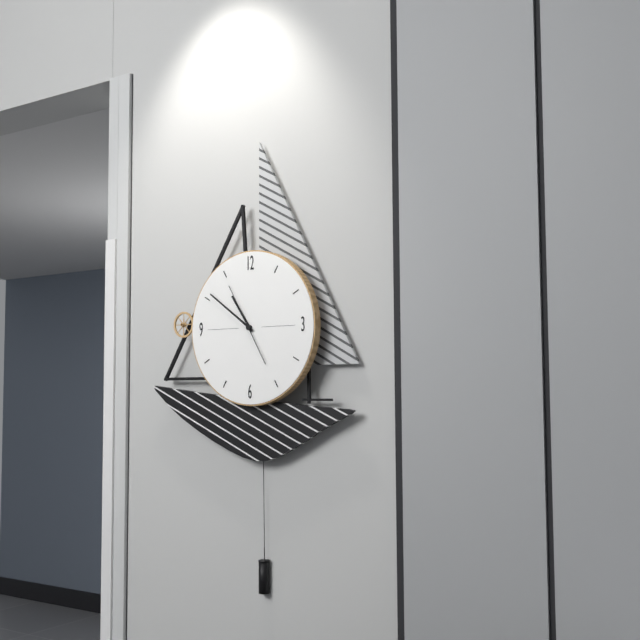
10:51:55
